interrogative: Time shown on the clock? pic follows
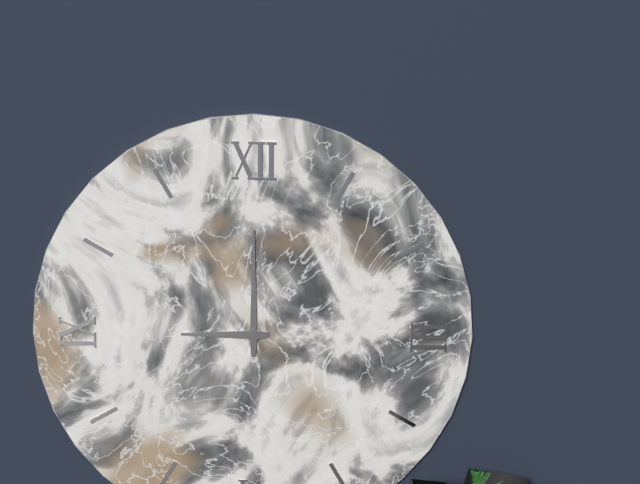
9:00
